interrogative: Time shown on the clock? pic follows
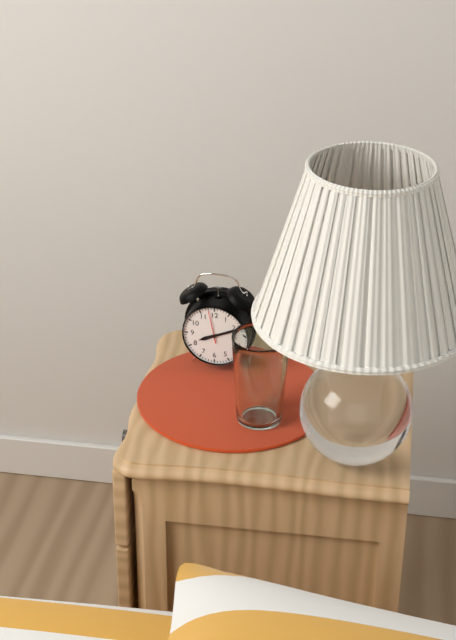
8:11
